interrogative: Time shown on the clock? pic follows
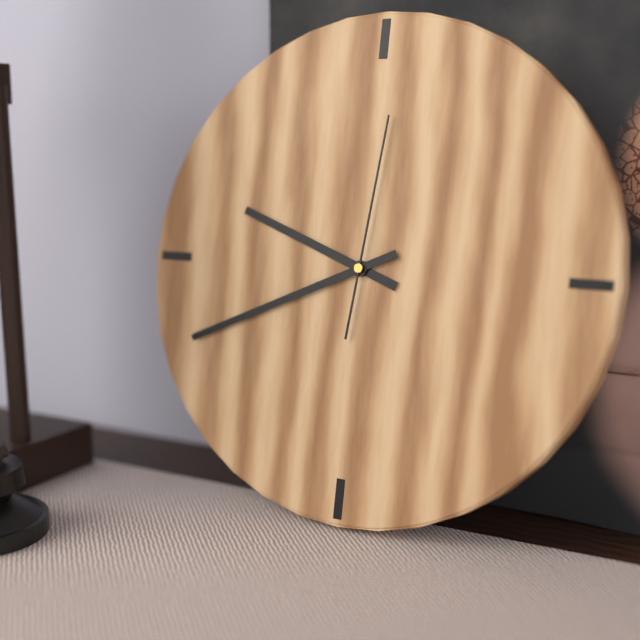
9:41:01
